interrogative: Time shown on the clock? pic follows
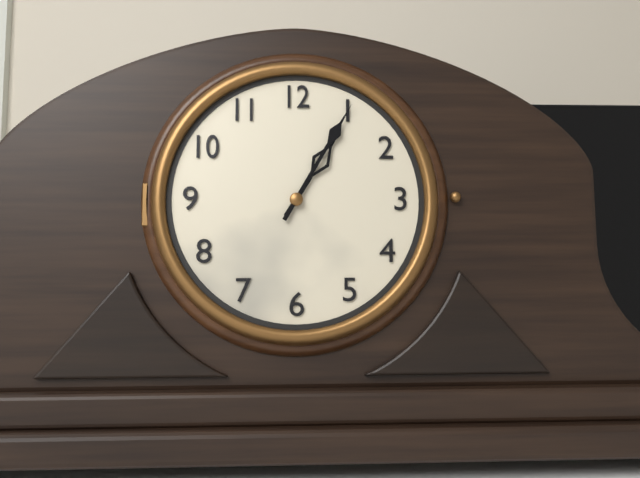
1:05
